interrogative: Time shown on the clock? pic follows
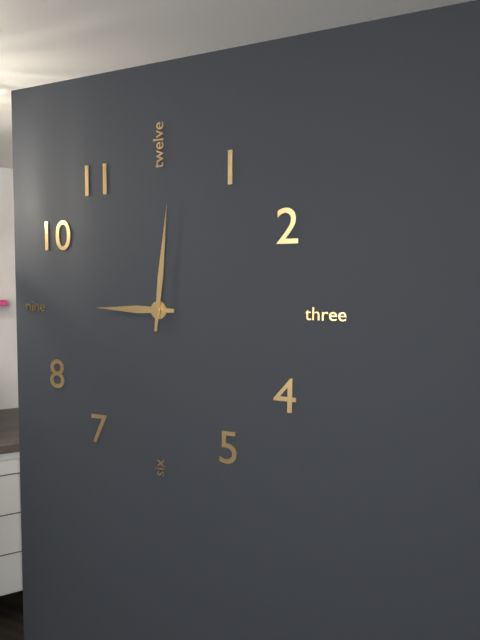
9:01
